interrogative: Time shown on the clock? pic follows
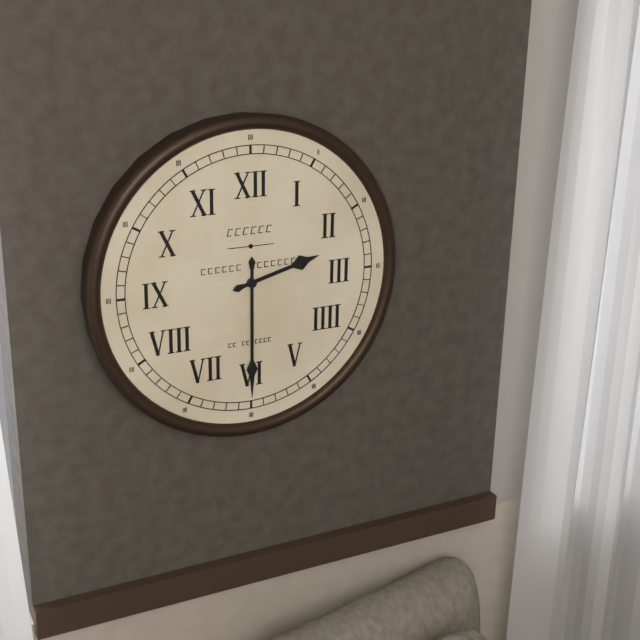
2:30
